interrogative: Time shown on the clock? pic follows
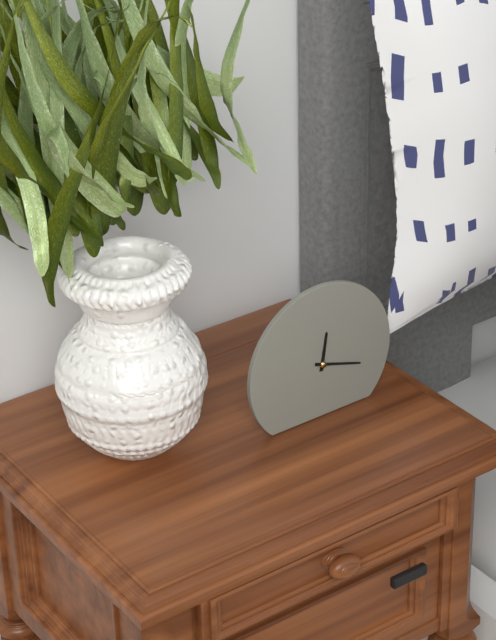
12:18
